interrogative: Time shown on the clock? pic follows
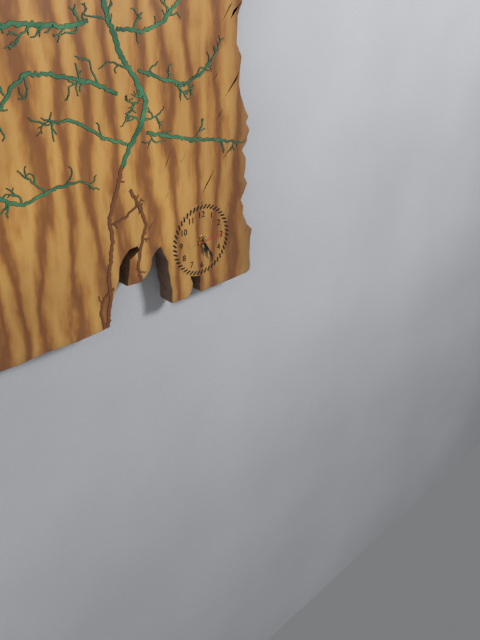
5:25
